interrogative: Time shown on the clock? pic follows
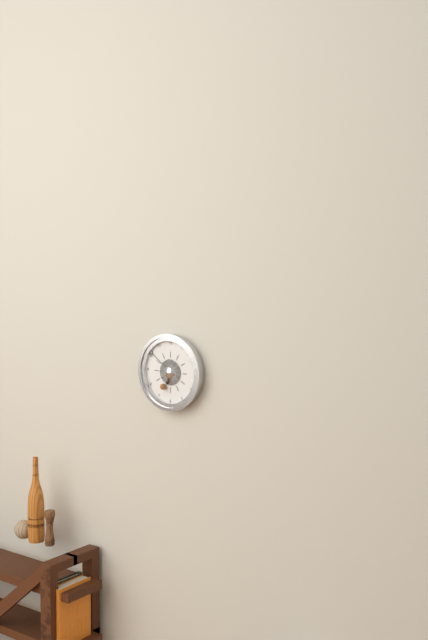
6:51
